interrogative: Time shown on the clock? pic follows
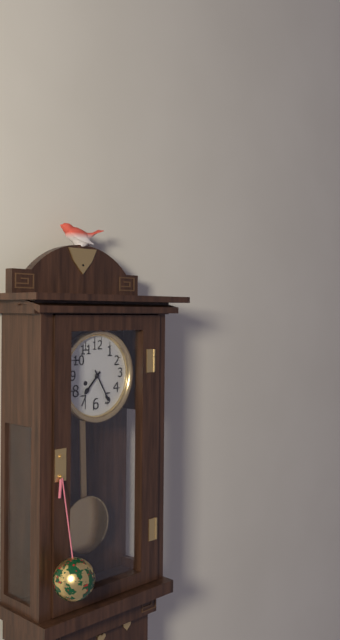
7:25
